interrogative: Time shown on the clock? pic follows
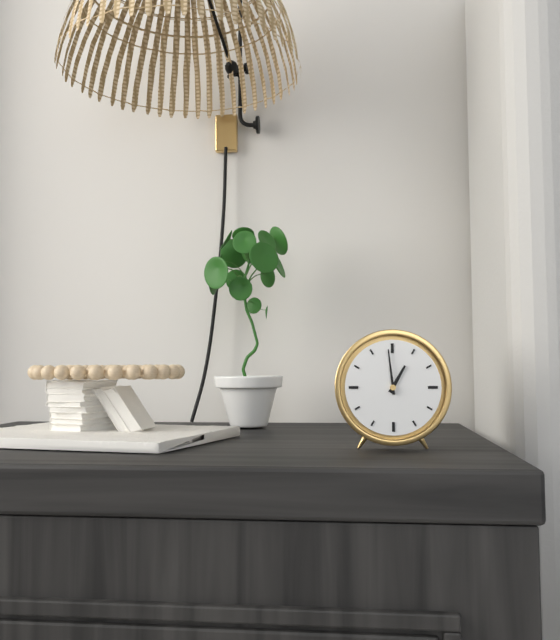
12:59
